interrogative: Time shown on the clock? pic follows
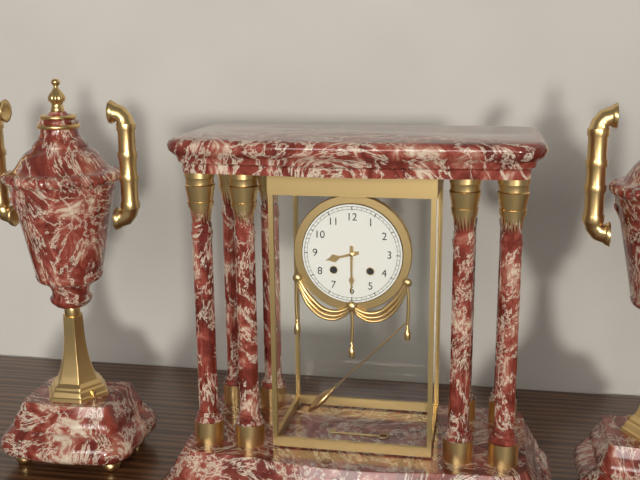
8:30
